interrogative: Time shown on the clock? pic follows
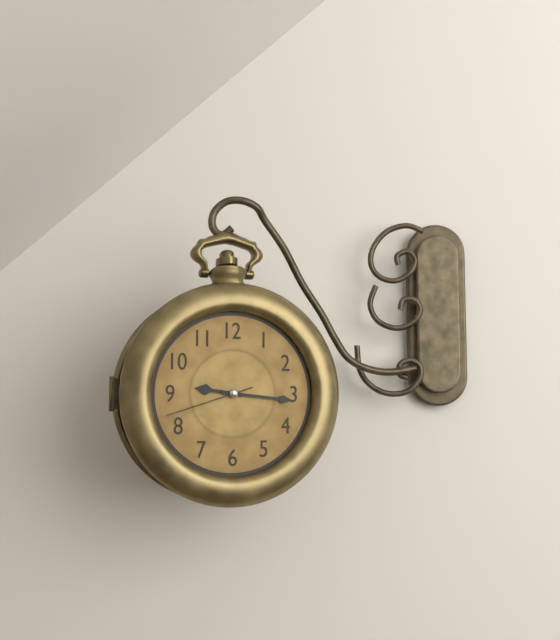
9:16:42
